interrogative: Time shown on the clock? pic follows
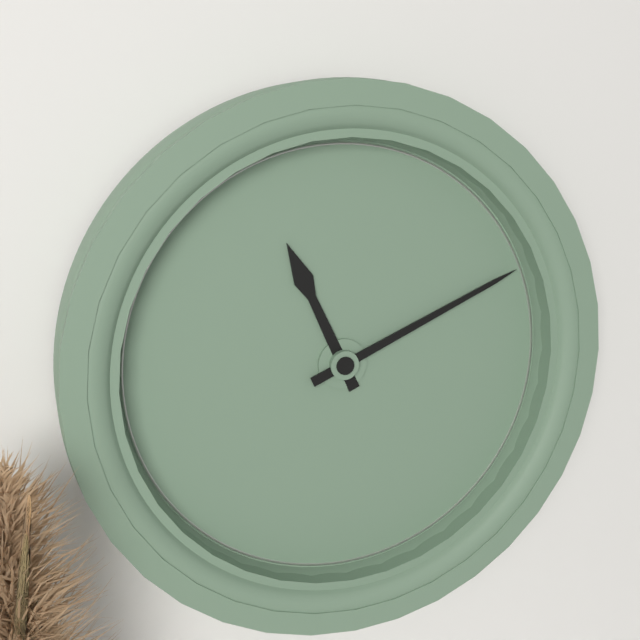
11:11
